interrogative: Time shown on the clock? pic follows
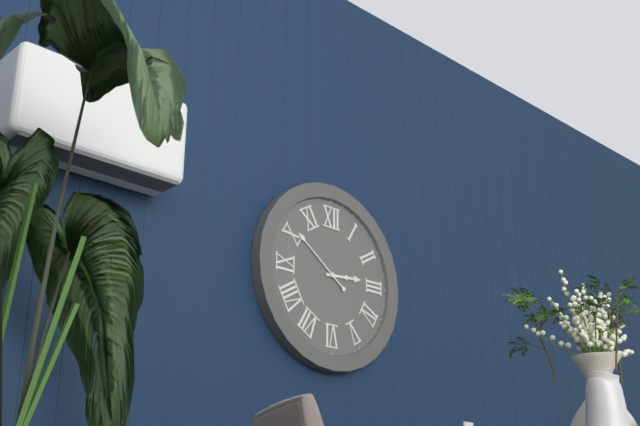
2:51
